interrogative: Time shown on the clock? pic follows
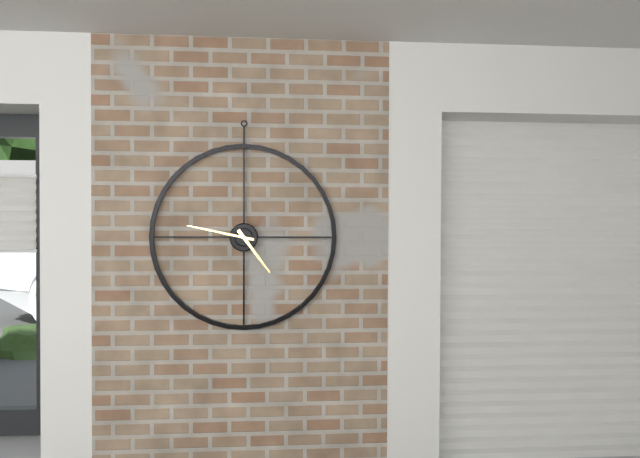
4:47
